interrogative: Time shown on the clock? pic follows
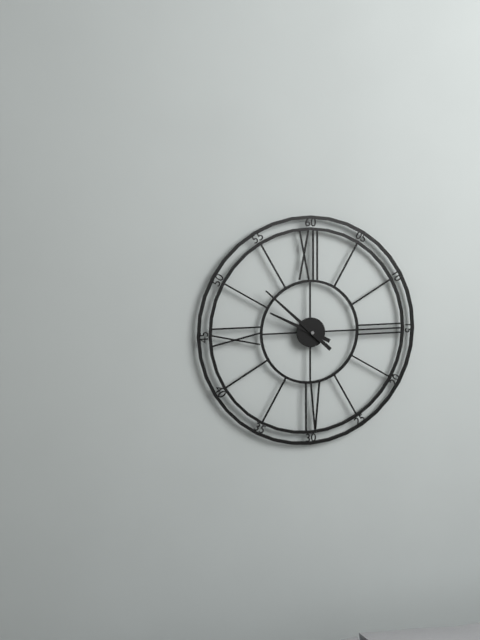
9:52
